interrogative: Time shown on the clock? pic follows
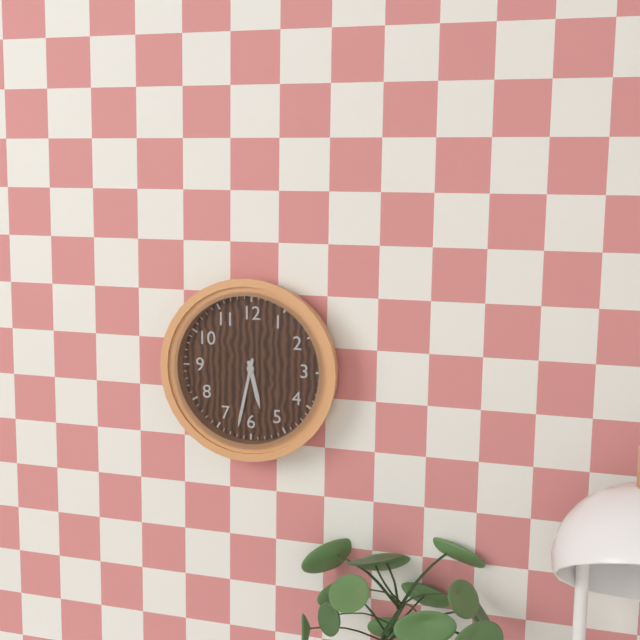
5:32
